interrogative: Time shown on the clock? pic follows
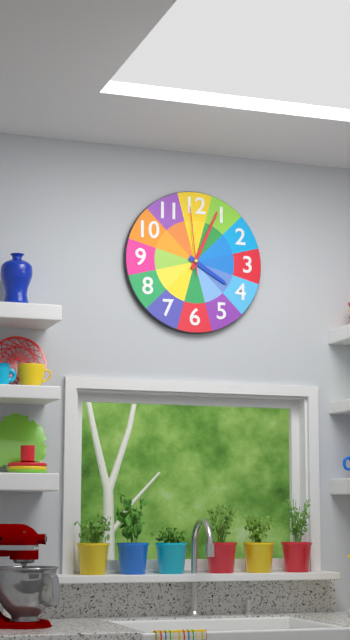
4:04:59
